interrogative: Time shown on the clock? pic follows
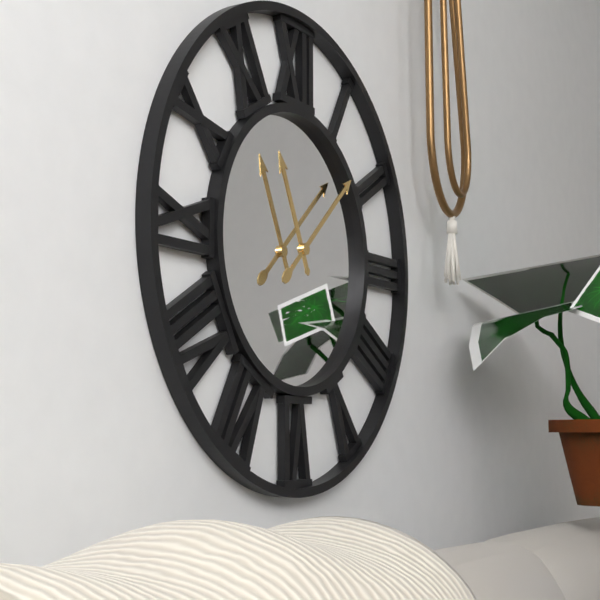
11:08
